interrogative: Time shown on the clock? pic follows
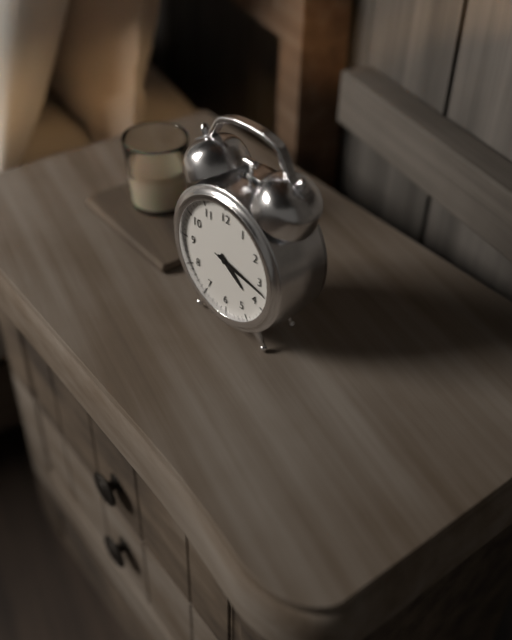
4:17:17
